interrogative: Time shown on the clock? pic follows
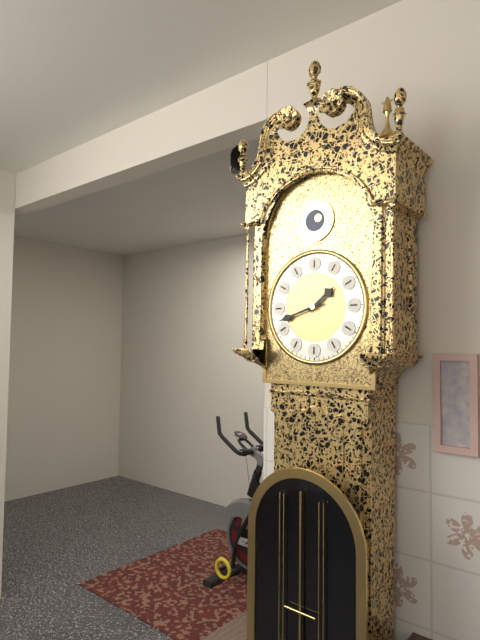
1:42
